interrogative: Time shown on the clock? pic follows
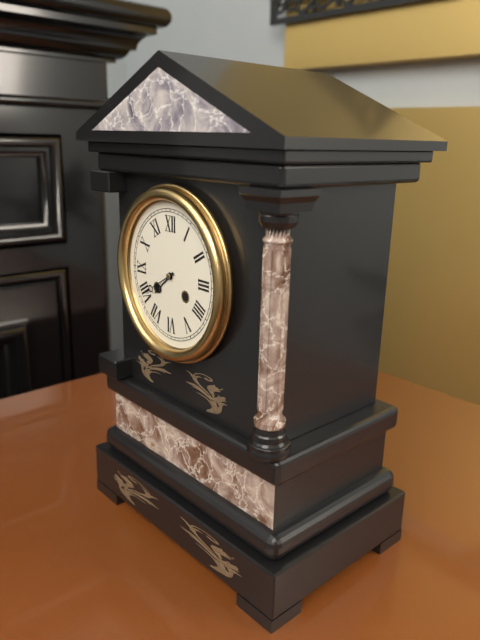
7:40
